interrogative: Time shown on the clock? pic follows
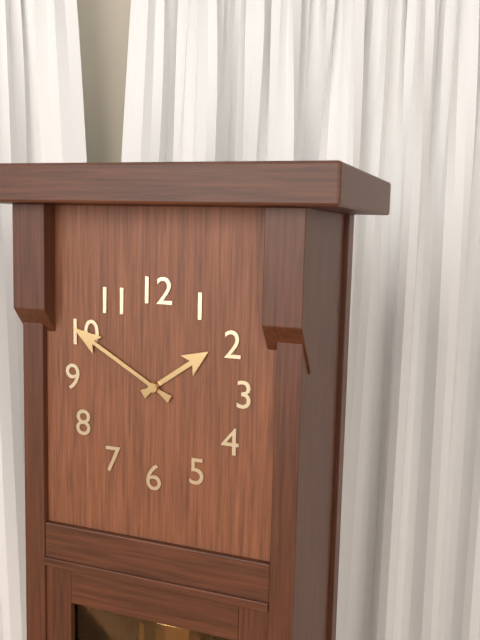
1:50
